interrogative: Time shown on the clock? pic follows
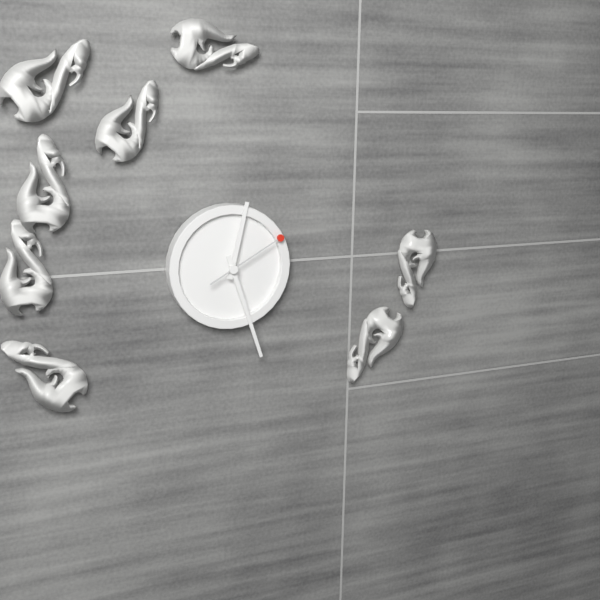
12:27:10
